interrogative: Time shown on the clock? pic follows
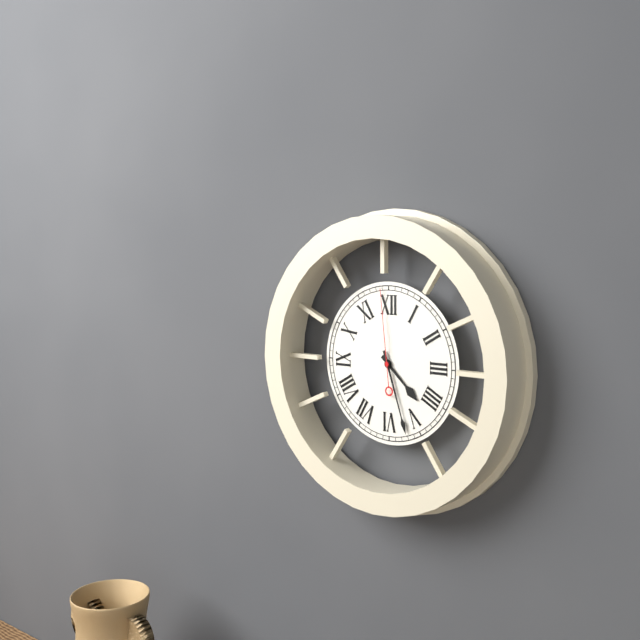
4:27:59
